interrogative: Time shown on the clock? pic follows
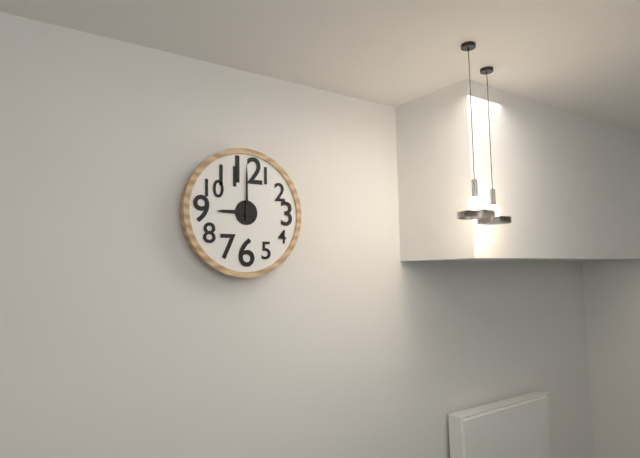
9:00
